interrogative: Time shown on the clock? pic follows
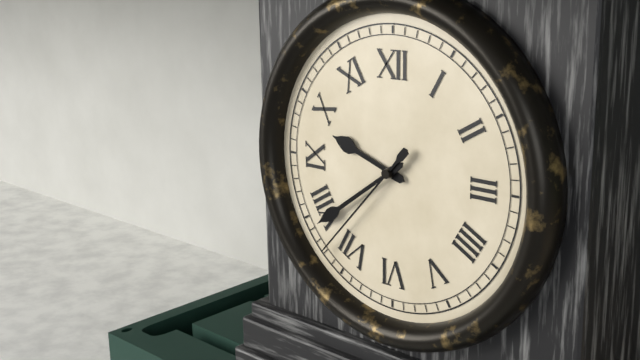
9:39:37
